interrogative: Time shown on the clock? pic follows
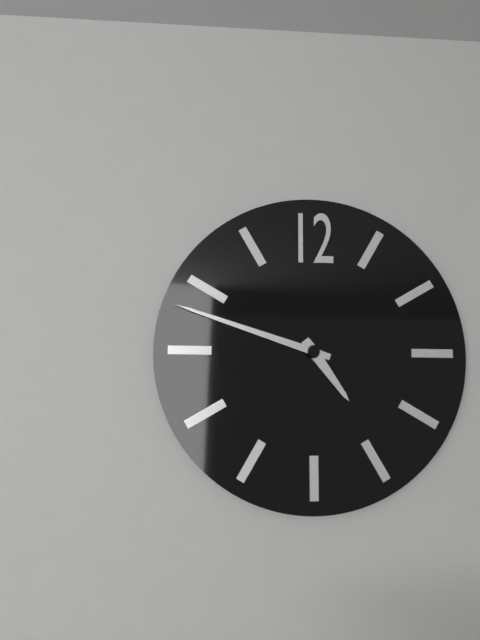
4:48
